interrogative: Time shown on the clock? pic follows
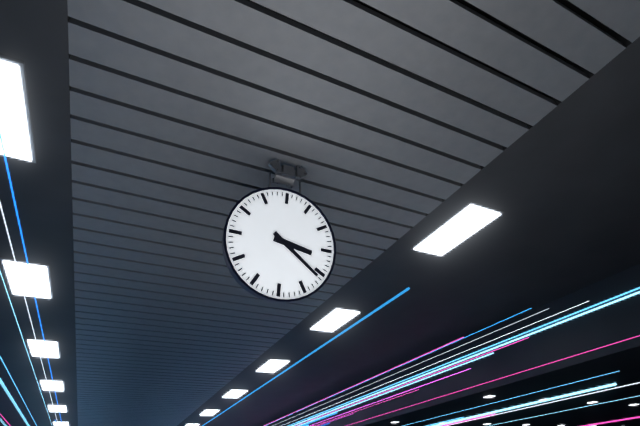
3:21
